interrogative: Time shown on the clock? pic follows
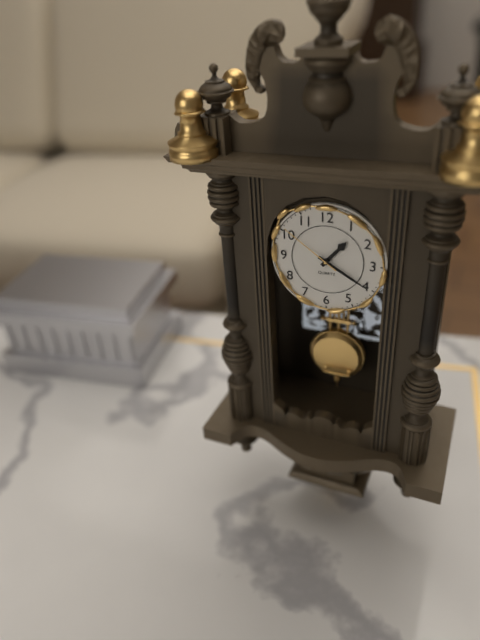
1:20:51
